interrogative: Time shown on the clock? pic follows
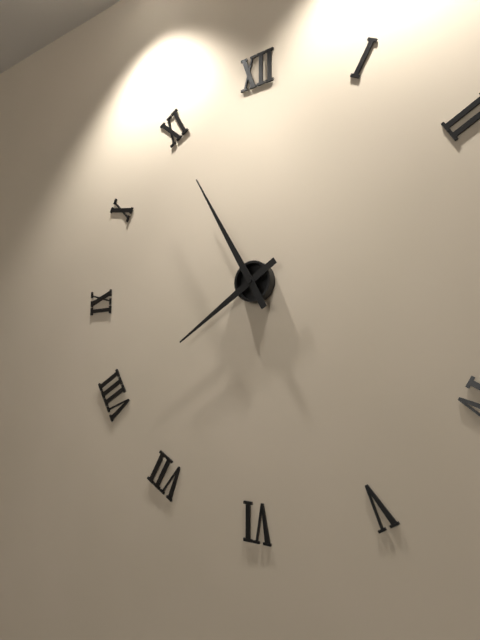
7:55
